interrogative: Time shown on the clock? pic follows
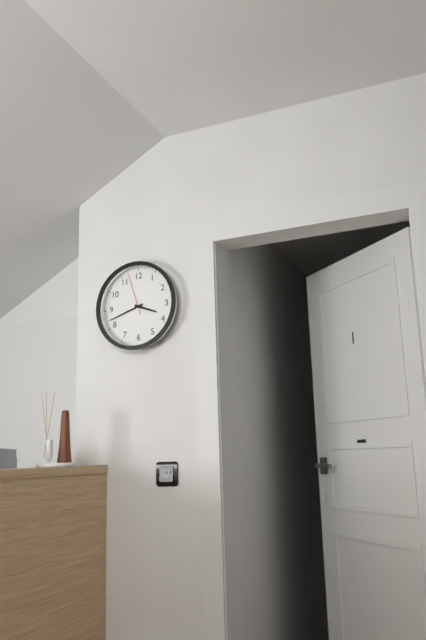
3:42
